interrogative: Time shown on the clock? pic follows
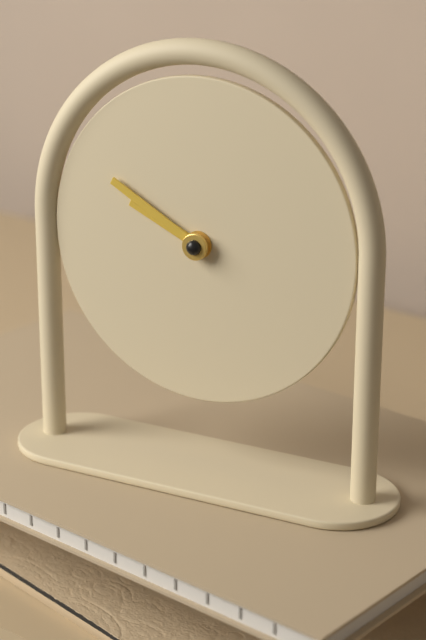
9:50
